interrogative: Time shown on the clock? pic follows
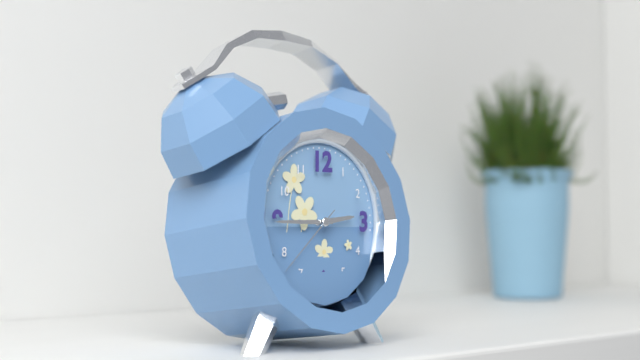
2:45:38
